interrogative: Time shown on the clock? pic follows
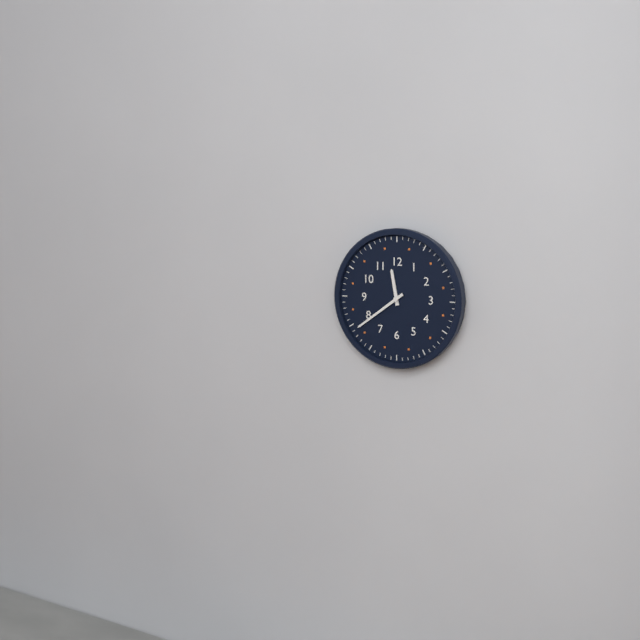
11:39
